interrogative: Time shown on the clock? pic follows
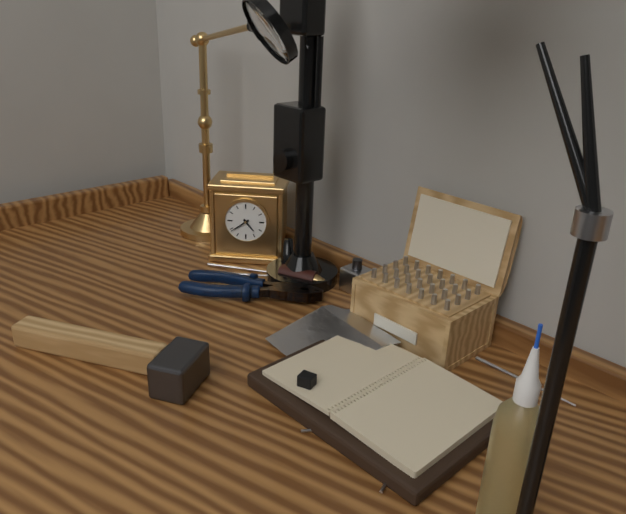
4:39
